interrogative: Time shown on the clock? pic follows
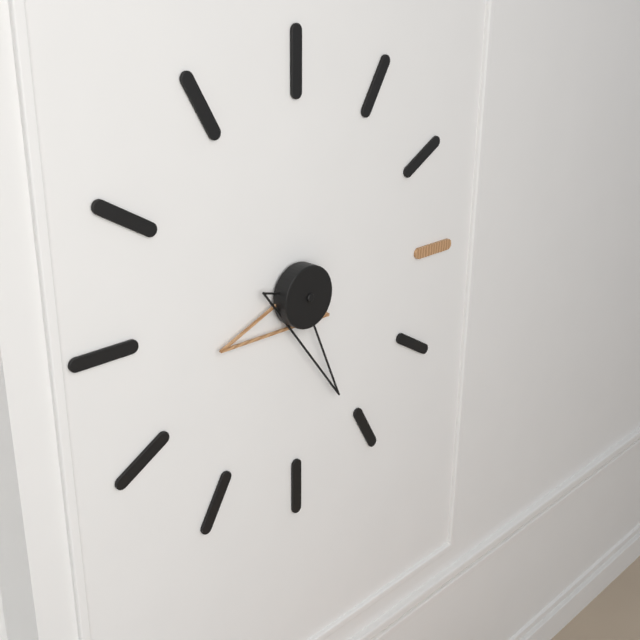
8:26
